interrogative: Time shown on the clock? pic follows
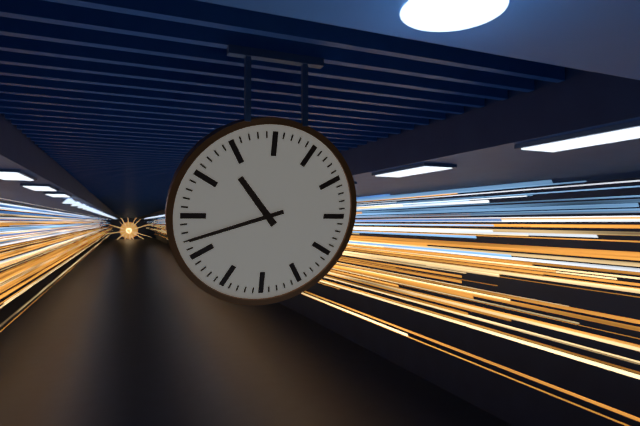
10:42
